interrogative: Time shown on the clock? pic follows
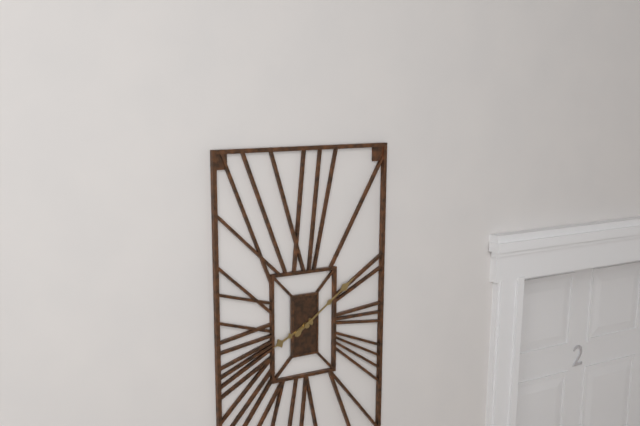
8:09
